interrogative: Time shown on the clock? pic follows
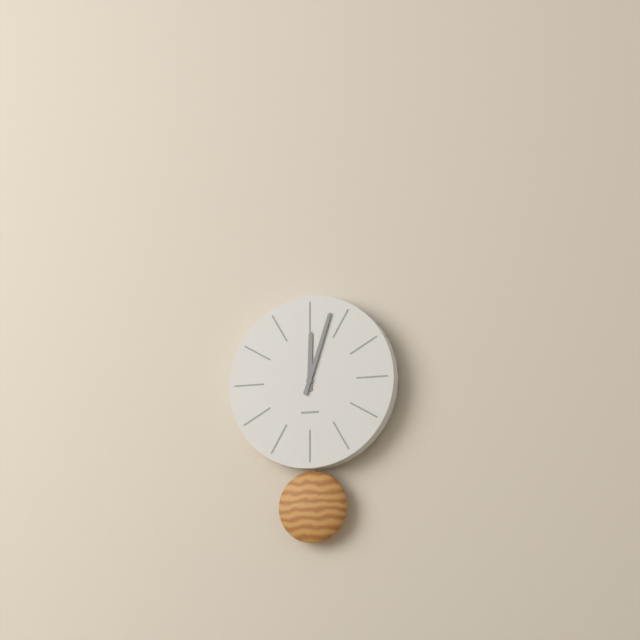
12:03
